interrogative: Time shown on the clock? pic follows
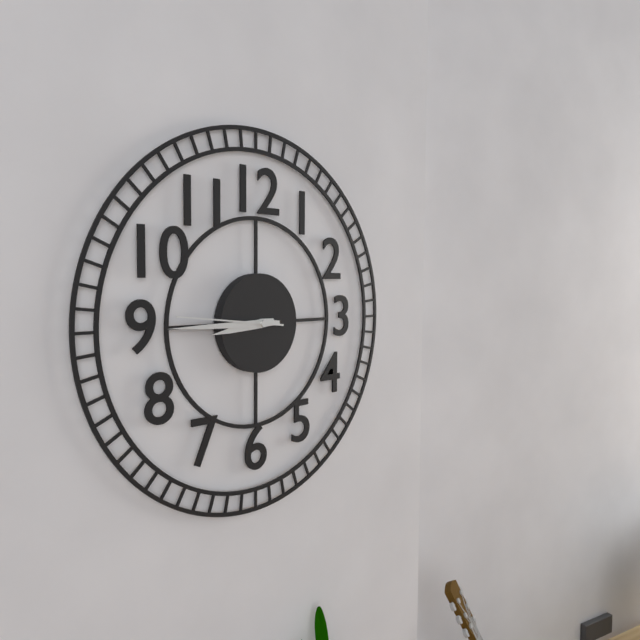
8:45:46
